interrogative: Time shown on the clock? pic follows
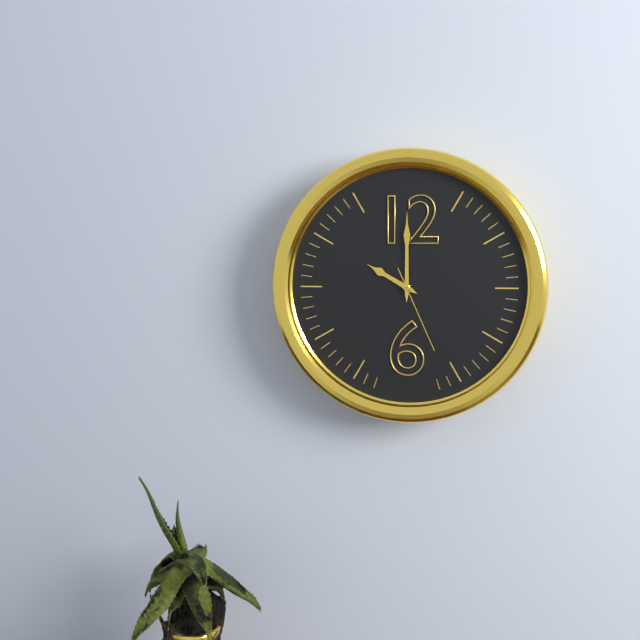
10:00:26
